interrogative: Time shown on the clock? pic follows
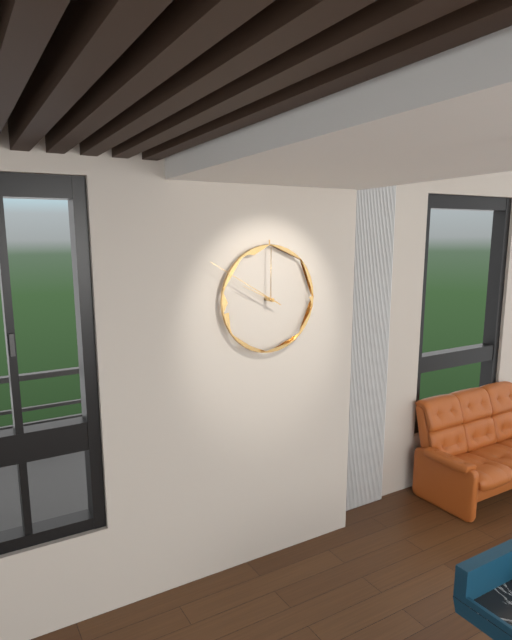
9:50
